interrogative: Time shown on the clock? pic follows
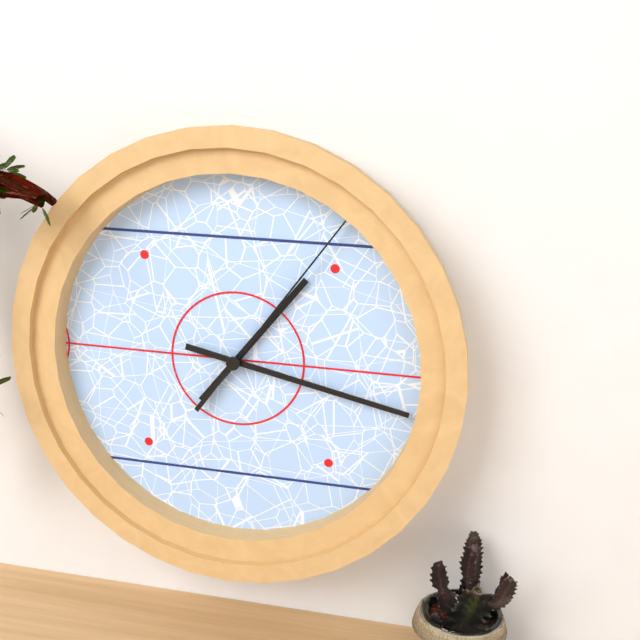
1:17:06
